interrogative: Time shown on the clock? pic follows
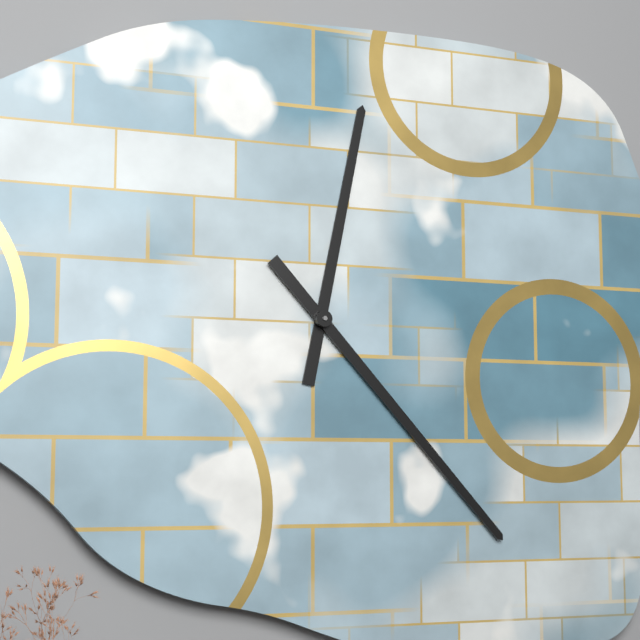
12:23
